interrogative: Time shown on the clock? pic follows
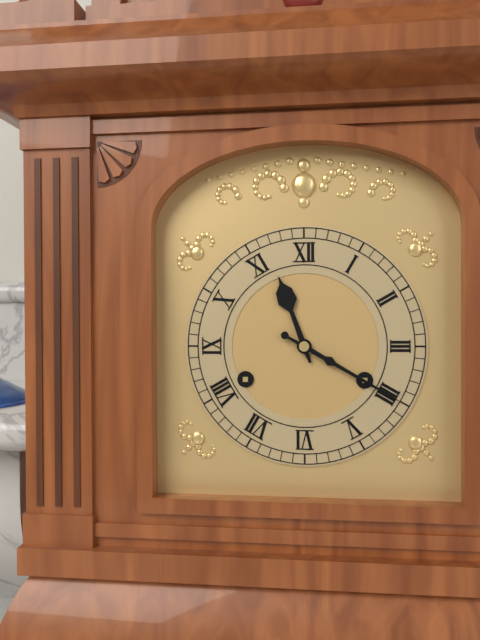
11:20
